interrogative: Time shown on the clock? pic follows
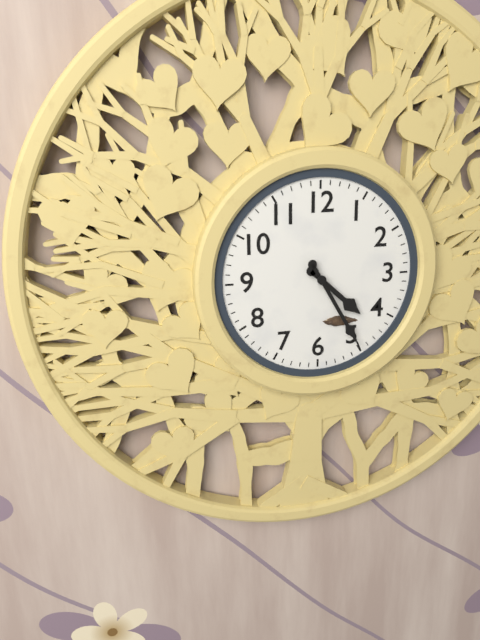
4:25
